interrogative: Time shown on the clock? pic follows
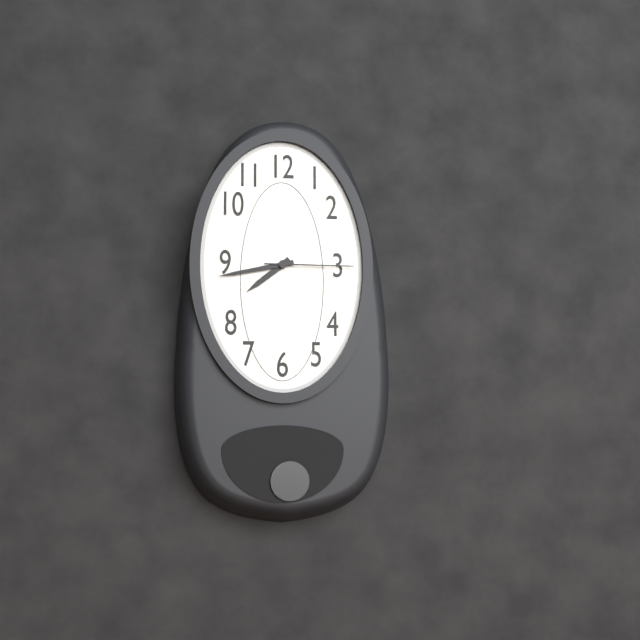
7:43:15
